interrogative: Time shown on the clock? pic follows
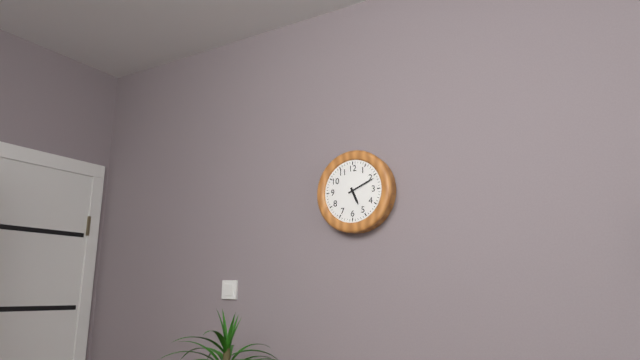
5:11
